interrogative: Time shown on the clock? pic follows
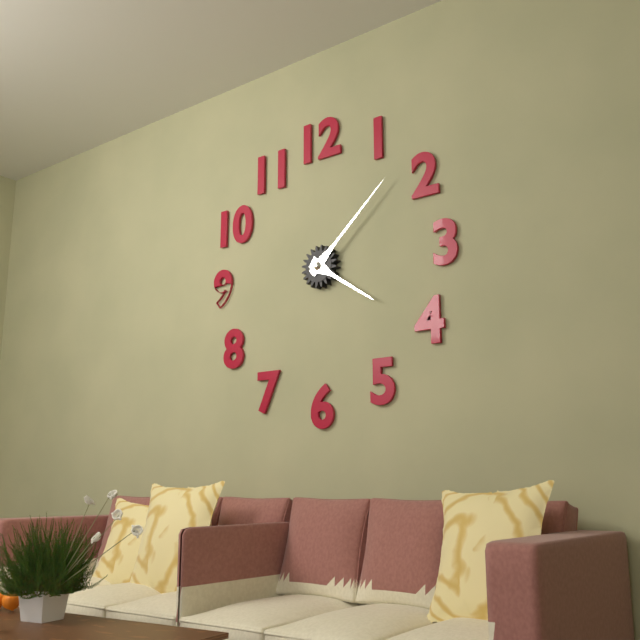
4:08
